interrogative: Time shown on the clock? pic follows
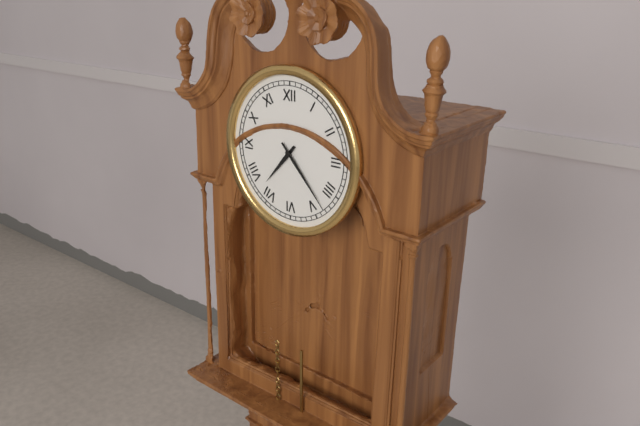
7:23
